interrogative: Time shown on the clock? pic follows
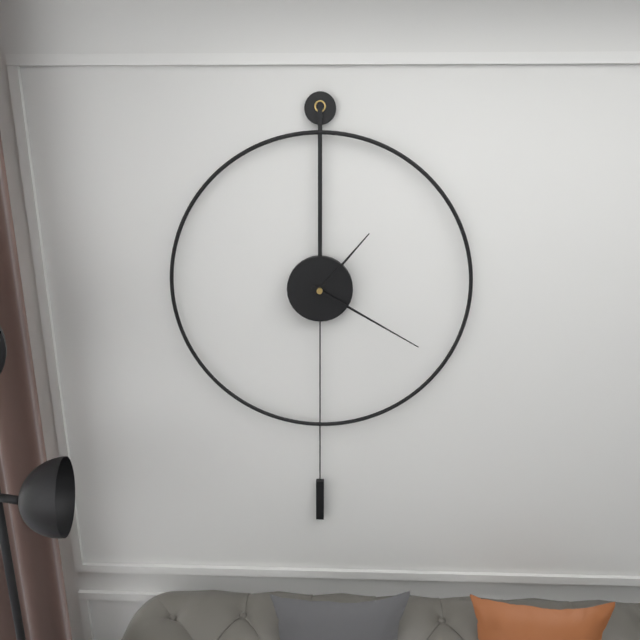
1:20
